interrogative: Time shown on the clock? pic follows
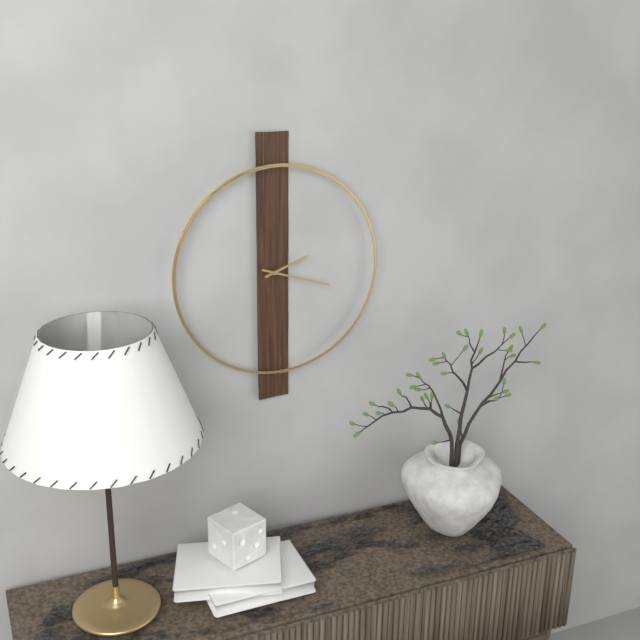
2:18
